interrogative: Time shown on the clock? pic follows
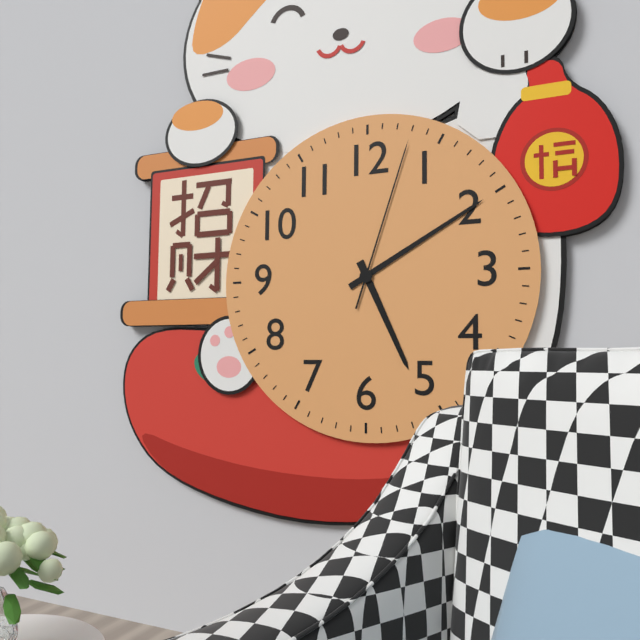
5:10:03
